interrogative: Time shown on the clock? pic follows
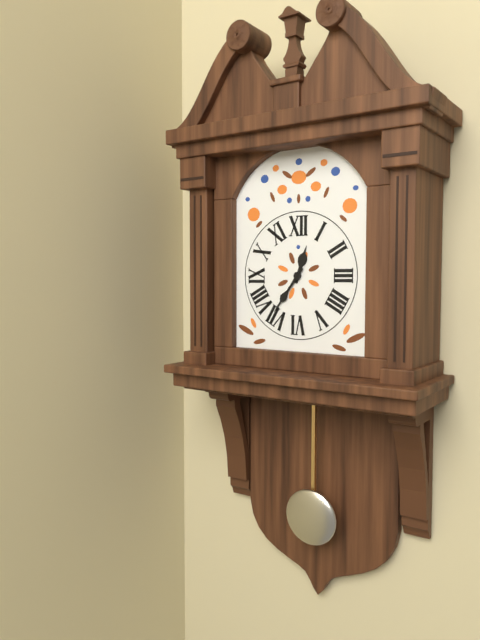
12:36
